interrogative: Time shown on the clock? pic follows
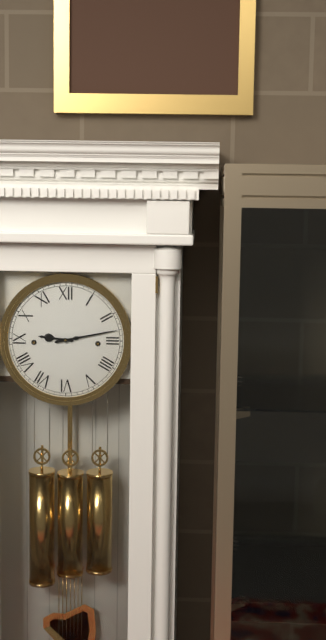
9:13
